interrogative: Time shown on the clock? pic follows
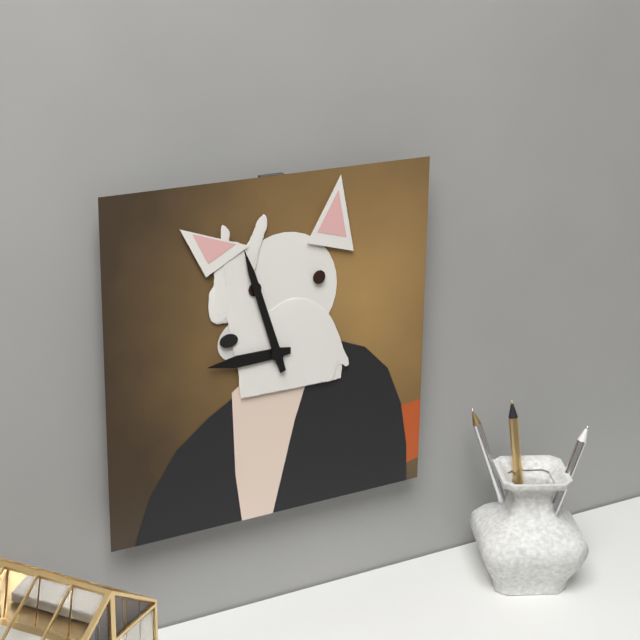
8:57
